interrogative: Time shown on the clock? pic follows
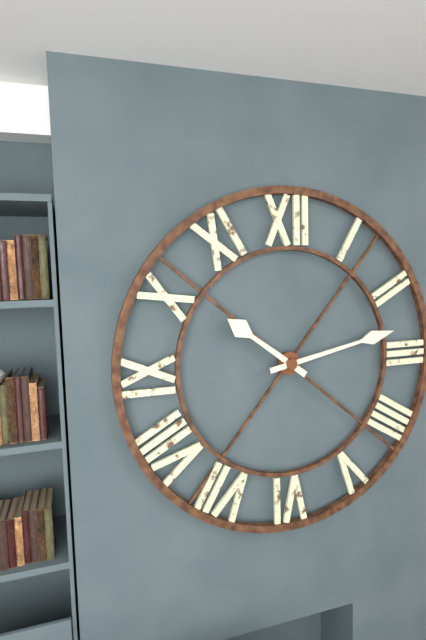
10:13
